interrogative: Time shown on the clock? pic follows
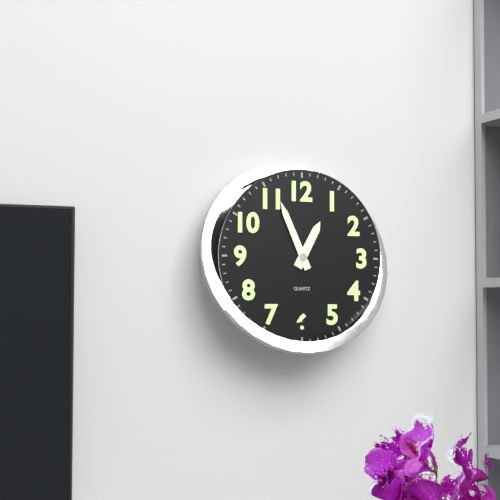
12:56
